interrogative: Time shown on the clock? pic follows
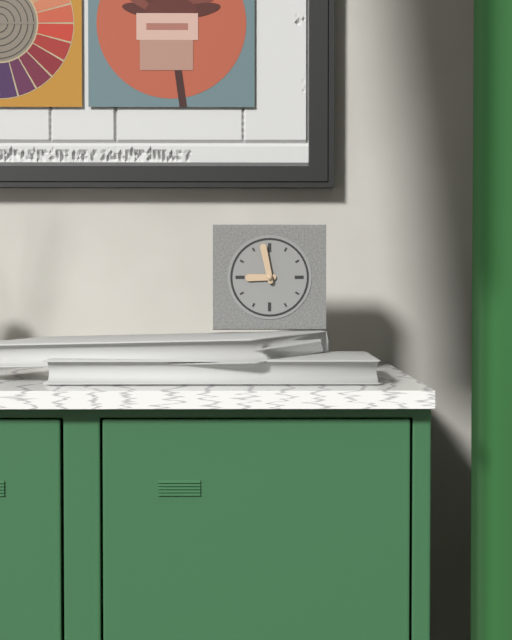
8:58
